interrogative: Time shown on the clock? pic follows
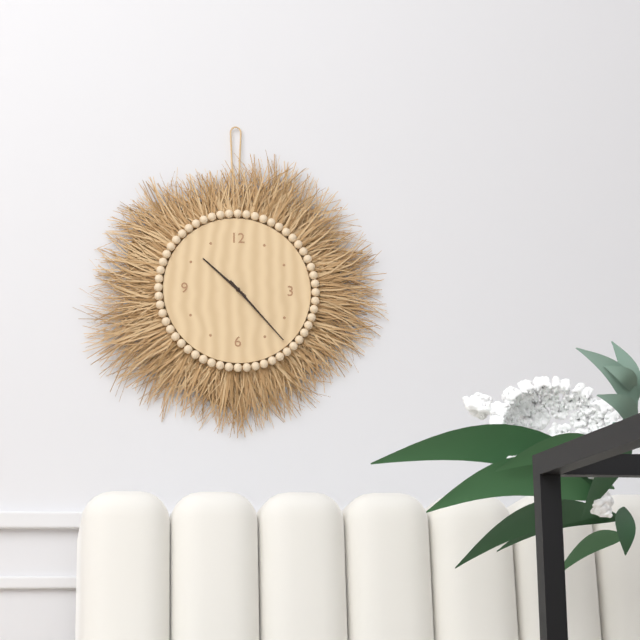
10:23
